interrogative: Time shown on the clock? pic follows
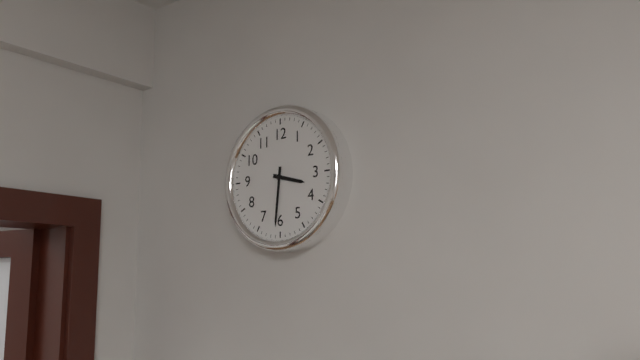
3:31
